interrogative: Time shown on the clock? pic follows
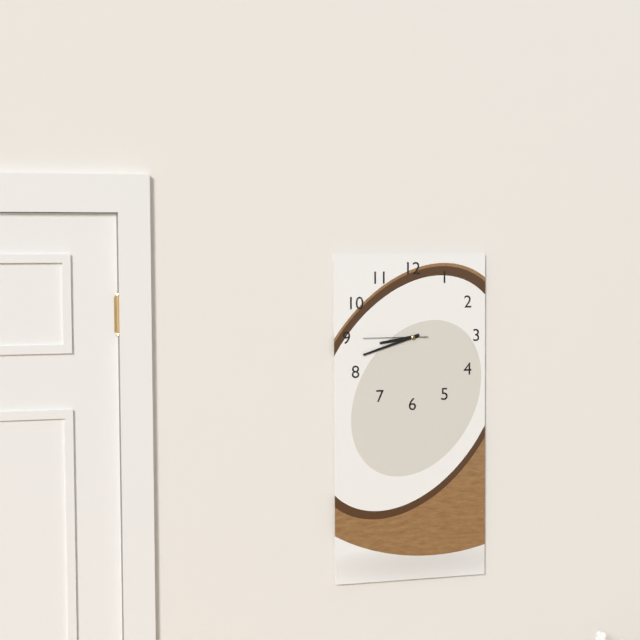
8:42:45
